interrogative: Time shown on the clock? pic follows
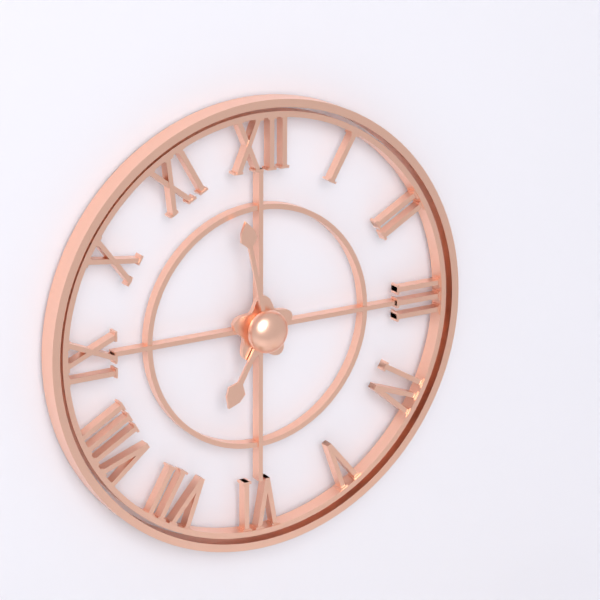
6:58
